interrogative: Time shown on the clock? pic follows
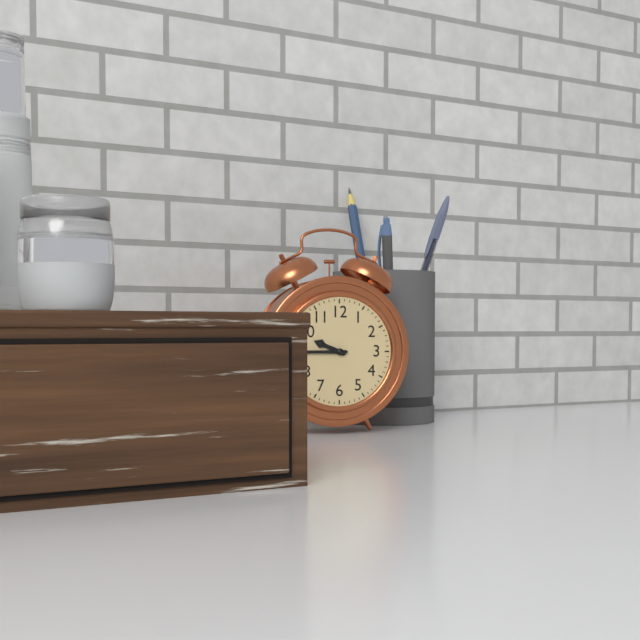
9:45
